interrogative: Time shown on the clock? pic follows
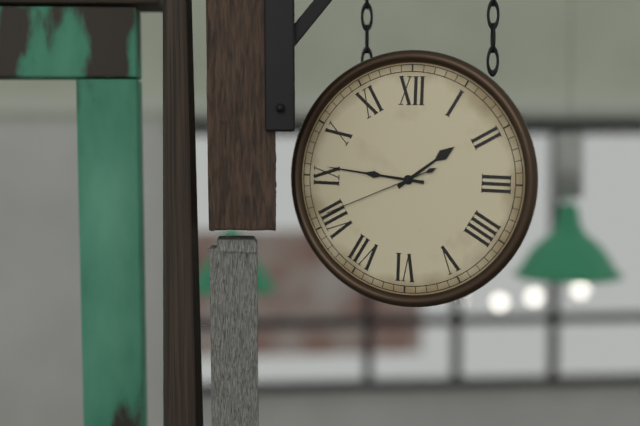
1:46:41
